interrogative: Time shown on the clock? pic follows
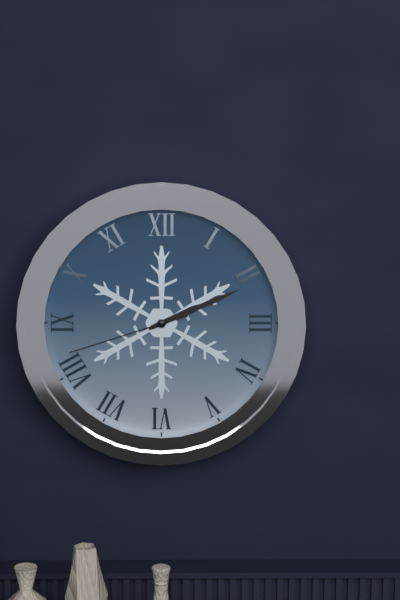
2:11:42
